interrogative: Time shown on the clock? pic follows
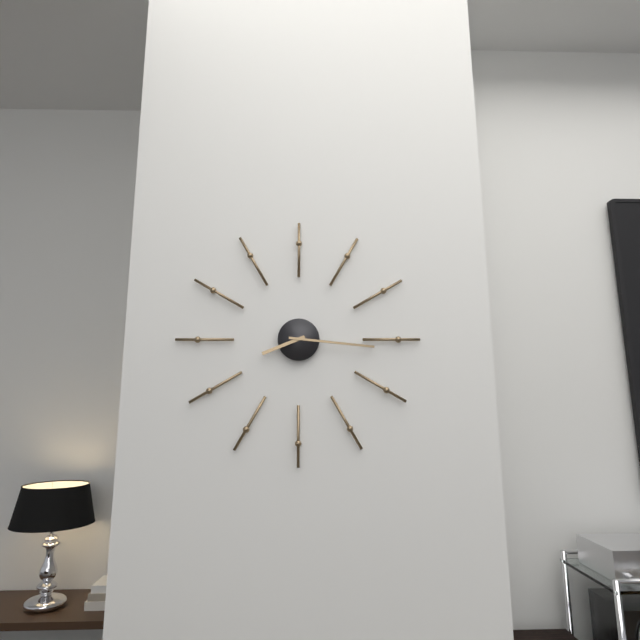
8:16
